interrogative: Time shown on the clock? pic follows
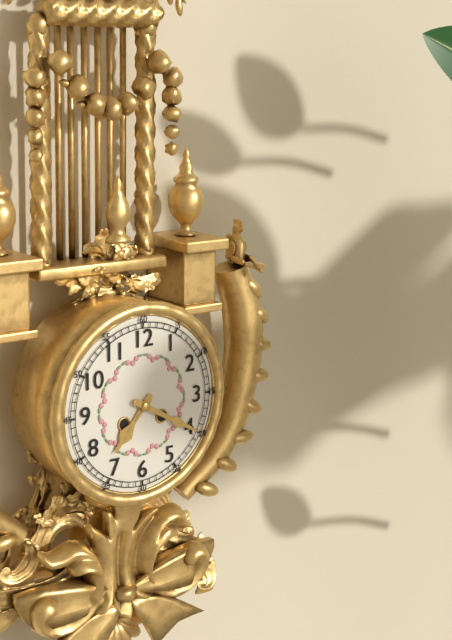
7:20
